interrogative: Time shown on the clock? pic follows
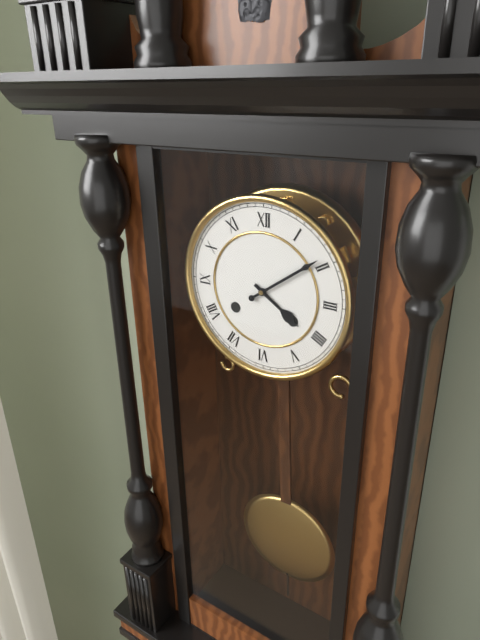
4:09
